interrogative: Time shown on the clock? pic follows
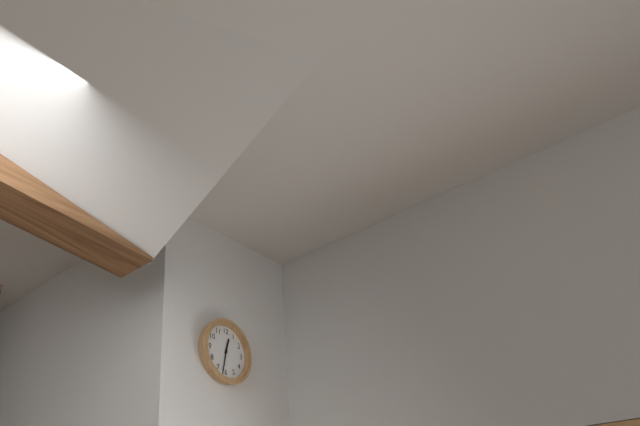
12:32
